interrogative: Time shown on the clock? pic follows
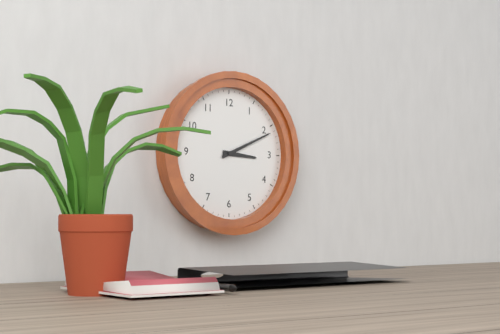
3:11
